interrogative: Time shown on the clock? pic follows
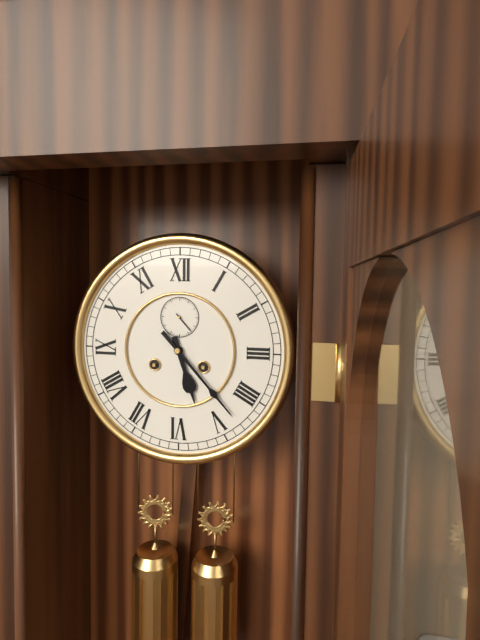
5:23
